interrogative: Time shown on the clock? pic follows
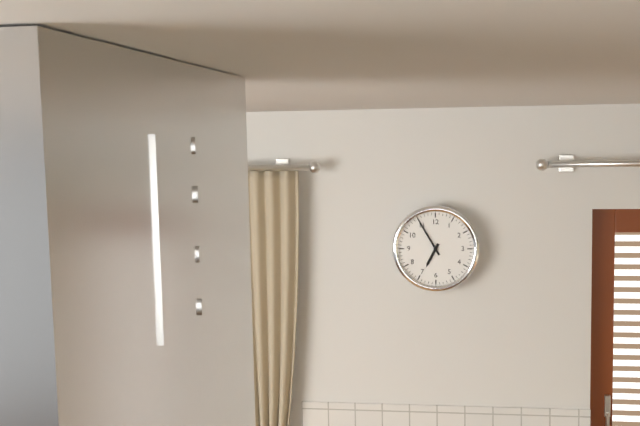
6:55
